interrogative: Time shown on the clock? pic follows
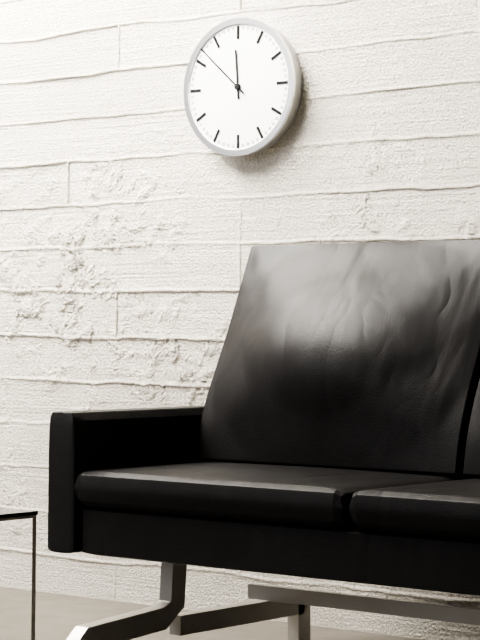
11:52
